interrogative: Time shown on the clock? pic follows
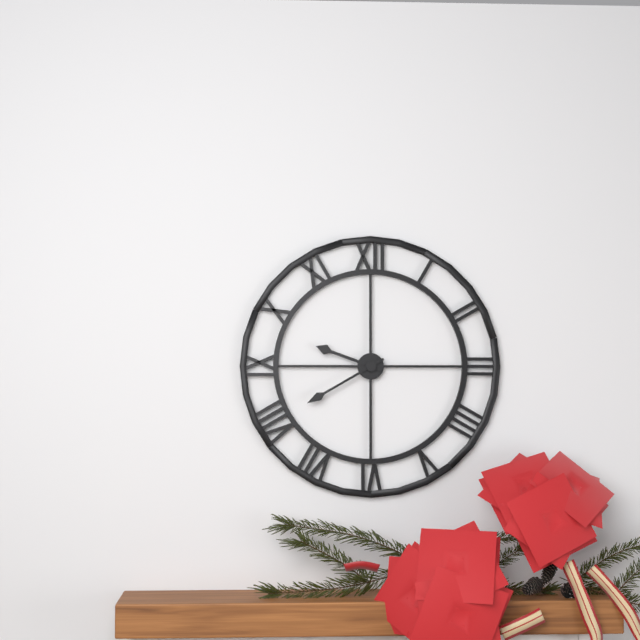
9:40
